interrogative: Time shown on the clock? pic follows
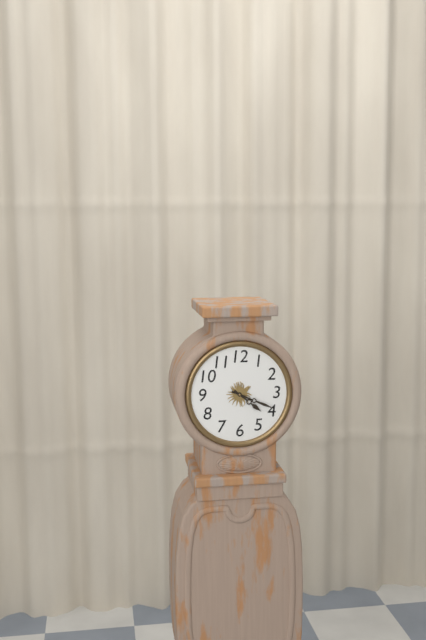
4:19
